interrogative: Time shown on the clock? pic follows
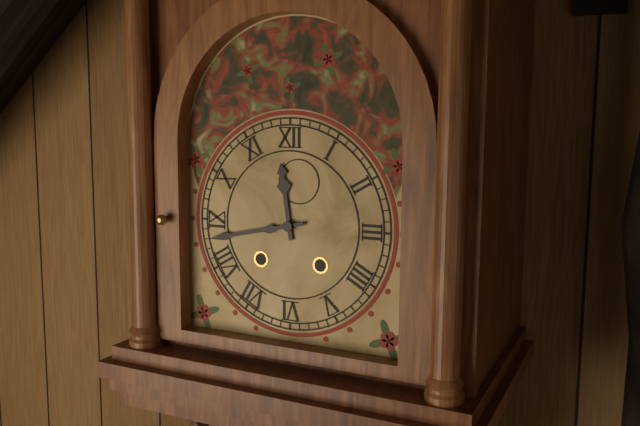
11:43
